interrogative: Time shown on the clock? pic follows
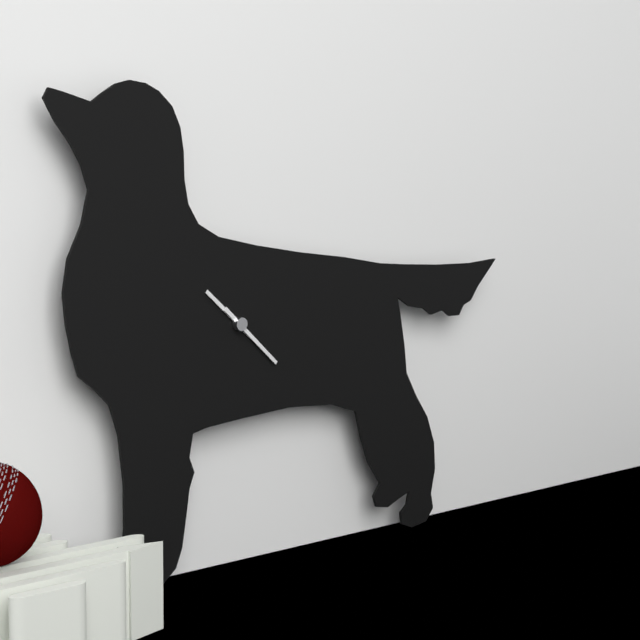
10:22
